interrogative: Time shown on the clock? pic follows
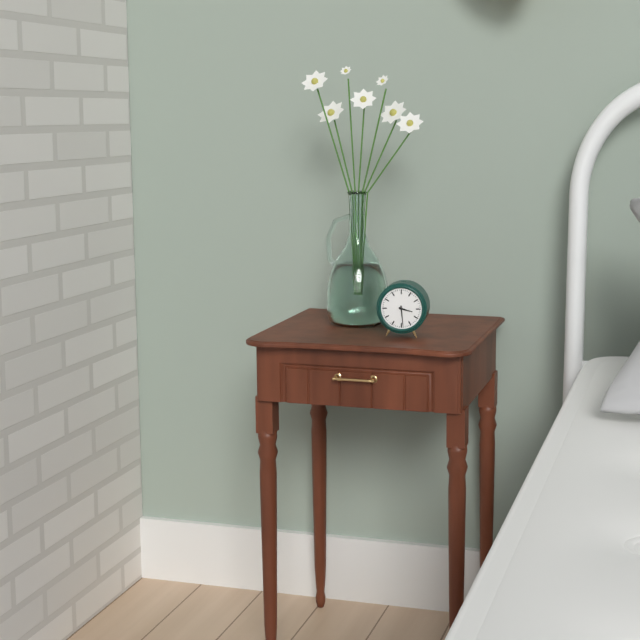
3:29
